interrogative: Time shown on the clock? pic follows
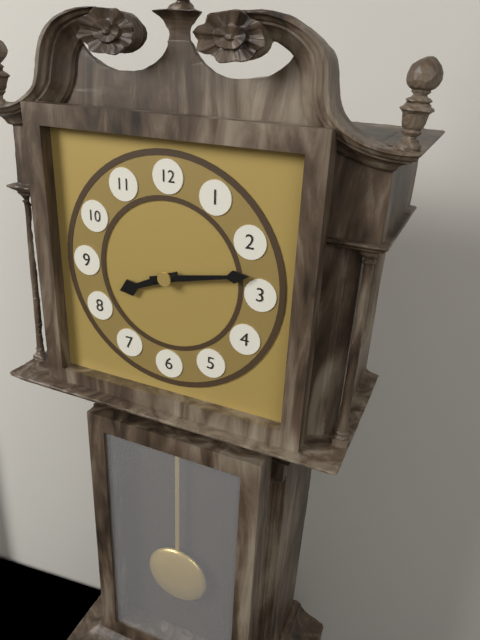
8:13
